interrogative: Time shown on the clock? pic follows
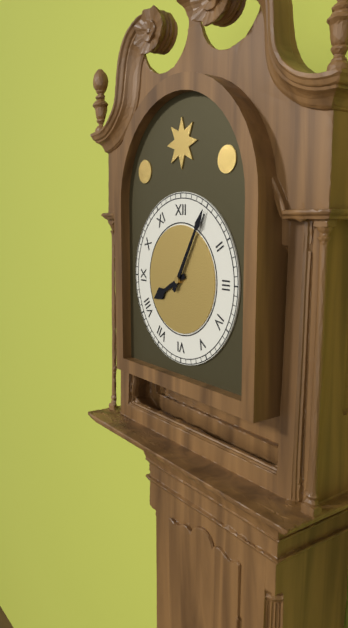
8:05
